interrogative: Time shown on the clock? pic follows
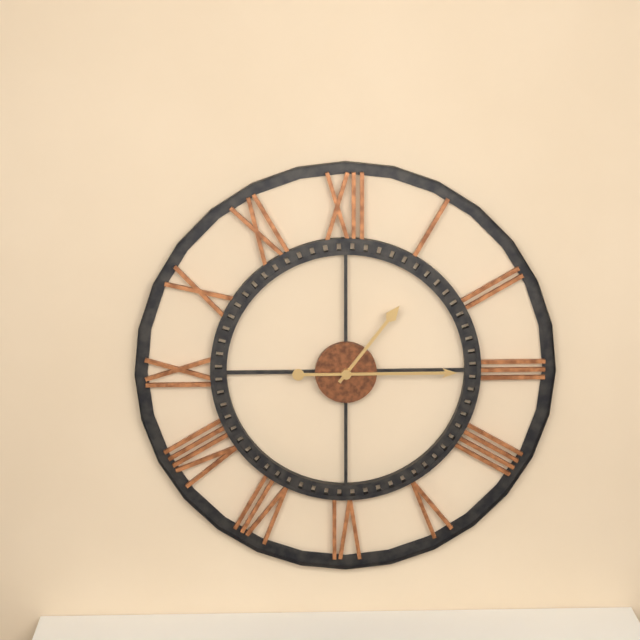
1:15
